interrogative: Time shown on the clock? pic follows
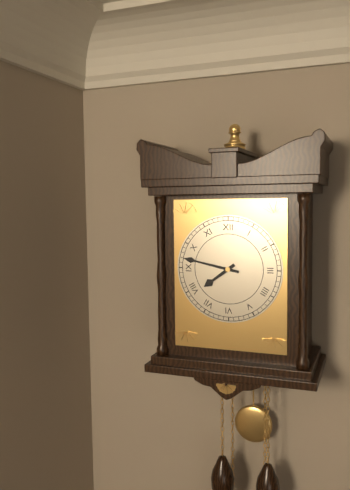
7:47
